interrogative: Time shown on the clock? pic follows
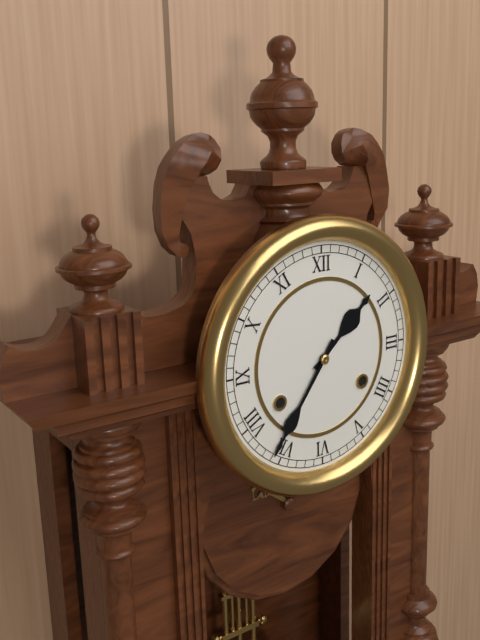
1:36
